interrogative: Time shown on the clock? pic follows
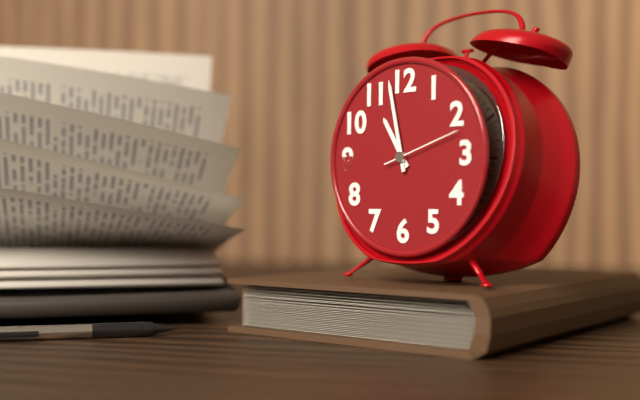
10:58:12
